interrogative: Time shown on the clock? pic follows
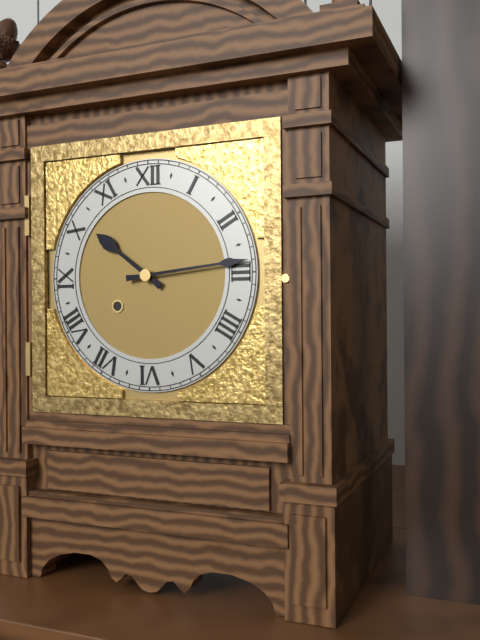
10:14
